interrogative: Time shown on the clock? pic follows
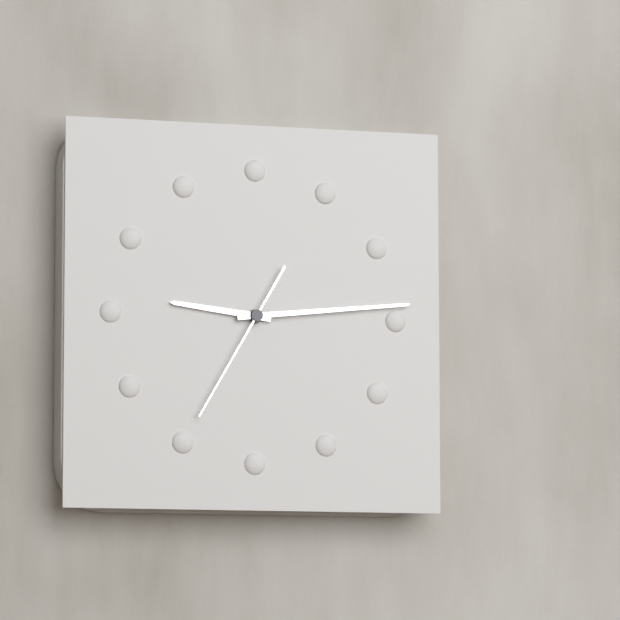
9:14:35
